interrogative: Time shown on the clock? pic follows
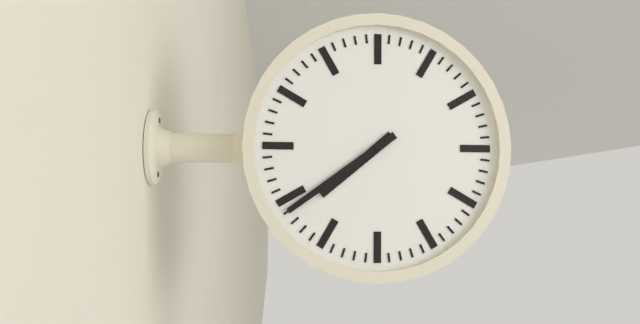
7:39
